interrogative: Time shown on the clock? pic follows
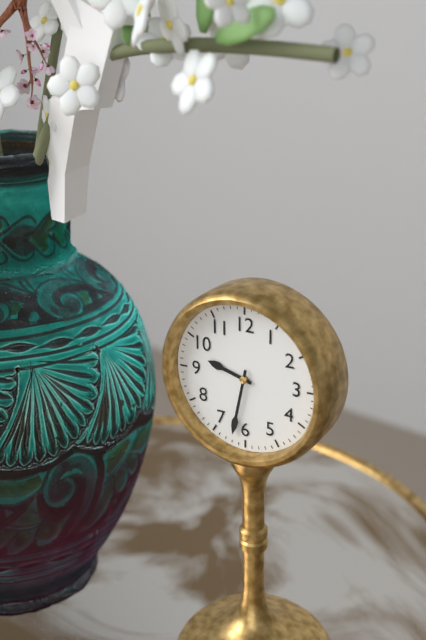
9:32
